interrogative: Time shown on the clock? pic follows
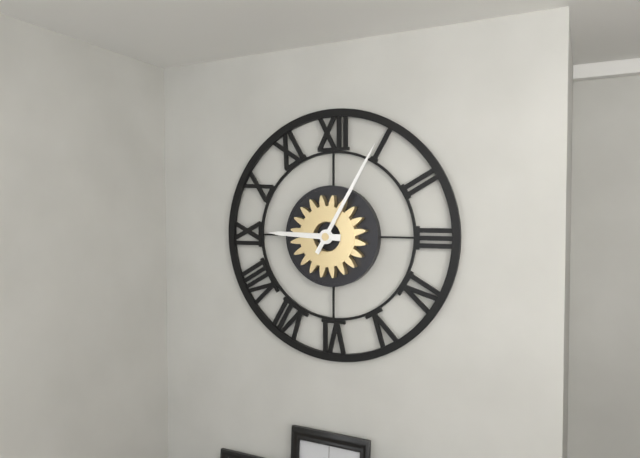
9:05
